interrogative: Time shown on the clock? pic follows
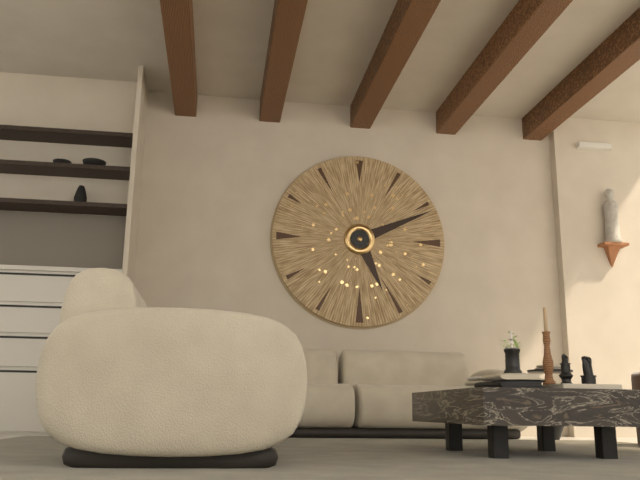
5:11
